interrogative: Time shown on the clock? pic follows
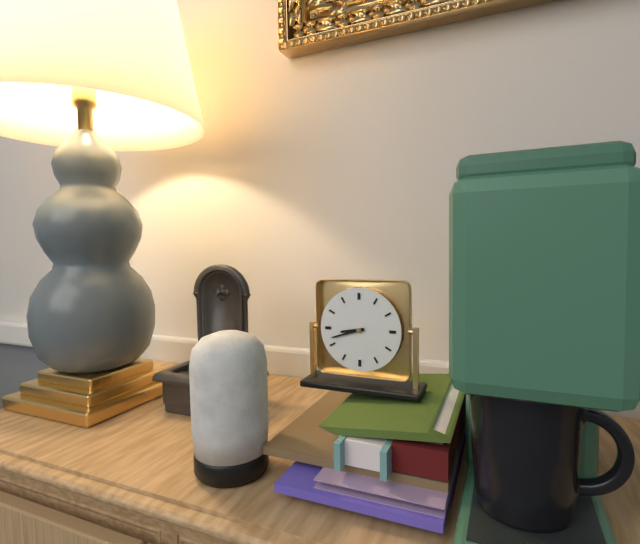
8:42
